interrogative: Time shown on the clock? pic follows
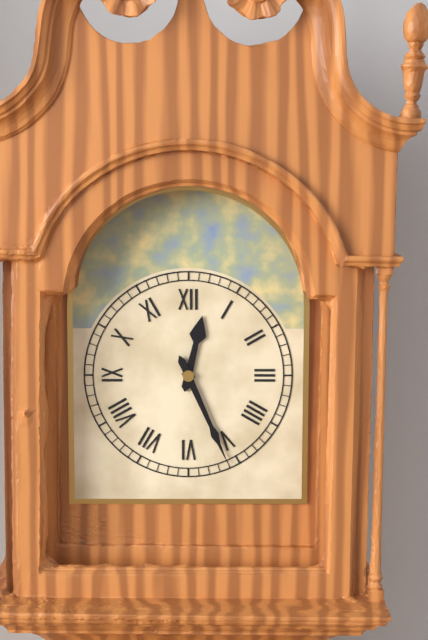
12:26
